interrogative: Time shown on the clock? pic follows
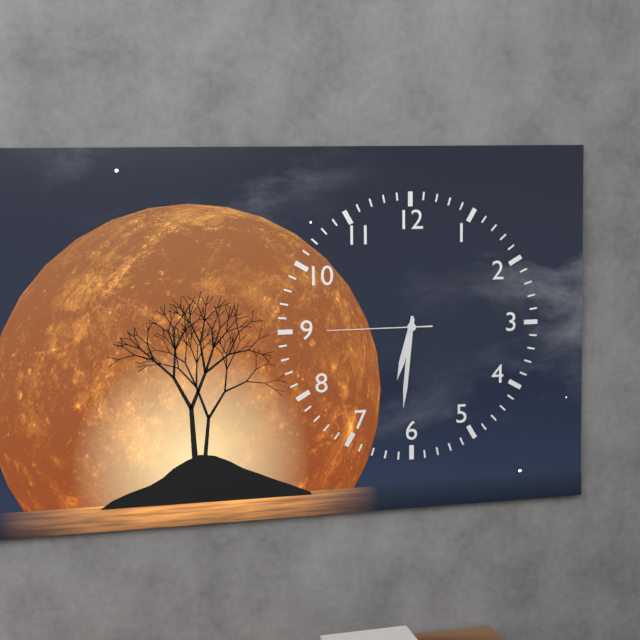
6:31:45
